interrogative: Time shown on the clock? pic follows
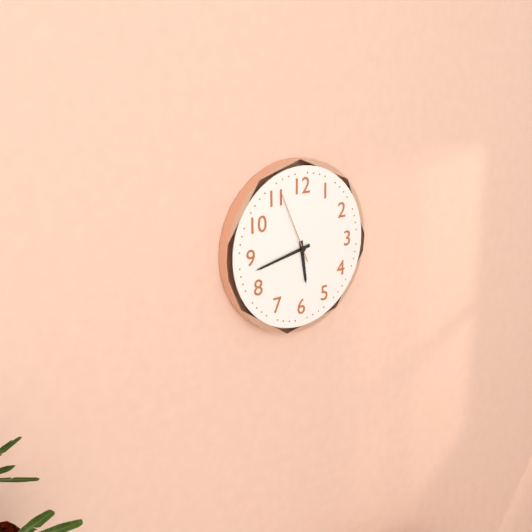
5:43:56
